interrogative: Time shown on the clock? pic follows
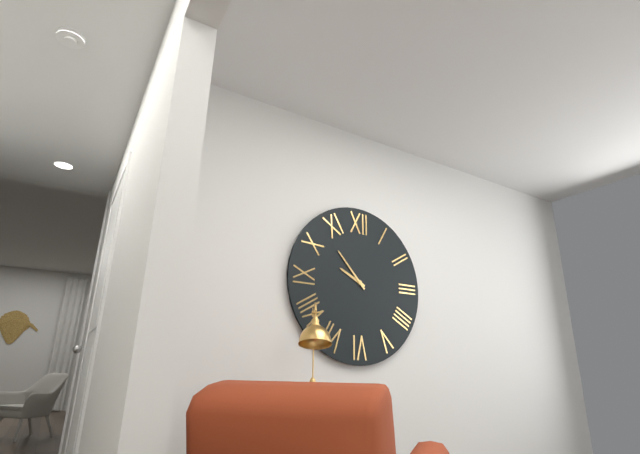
9:53
